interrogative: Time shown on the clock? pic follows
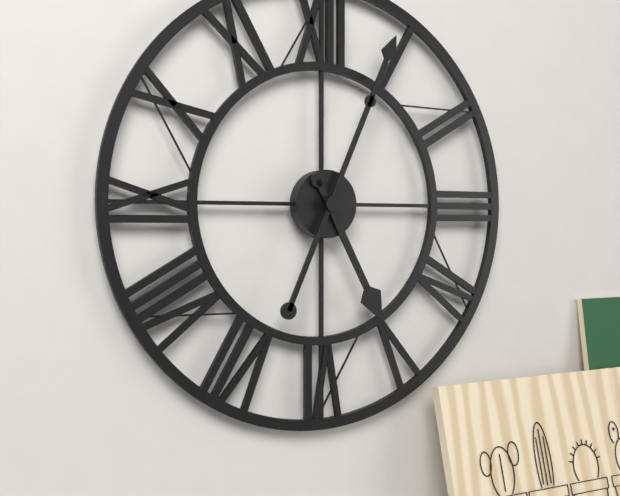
5:04
